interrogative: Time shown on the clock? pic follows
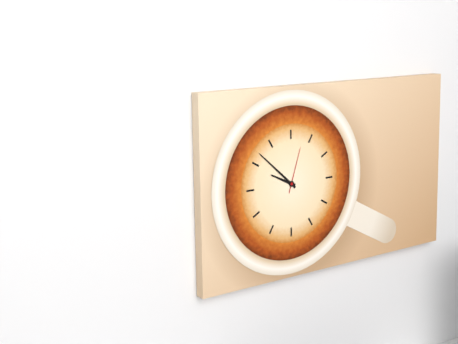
9:52
